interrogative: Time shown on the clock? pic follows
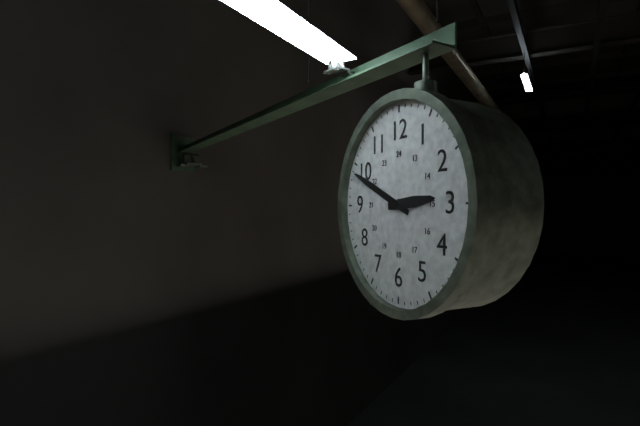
2:49
